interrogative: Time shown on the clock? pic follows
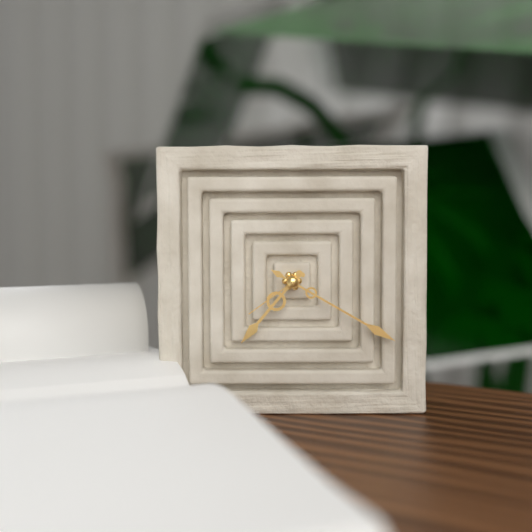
7:20:39
